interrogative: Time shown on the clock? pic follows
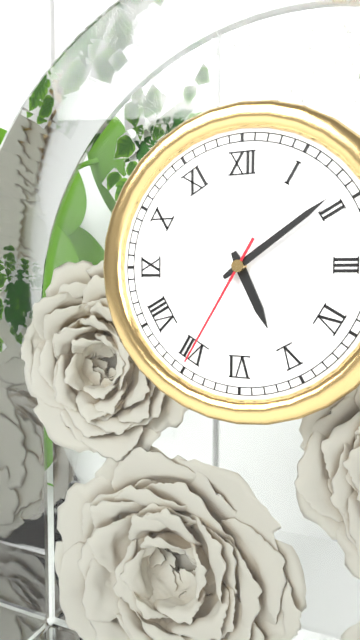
5:09:35
